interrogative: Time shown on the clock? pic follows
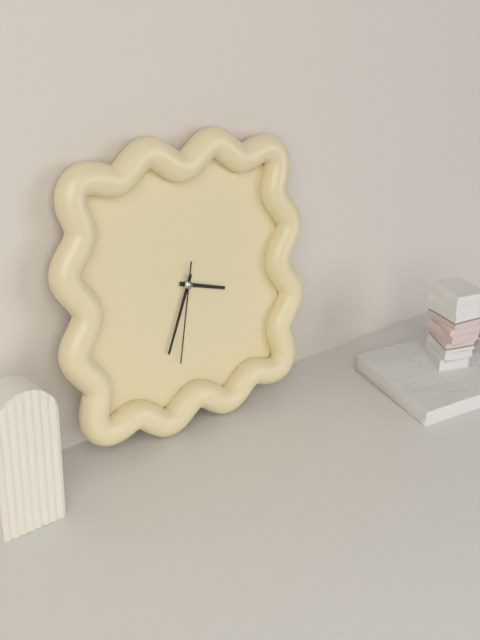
3:34:32
